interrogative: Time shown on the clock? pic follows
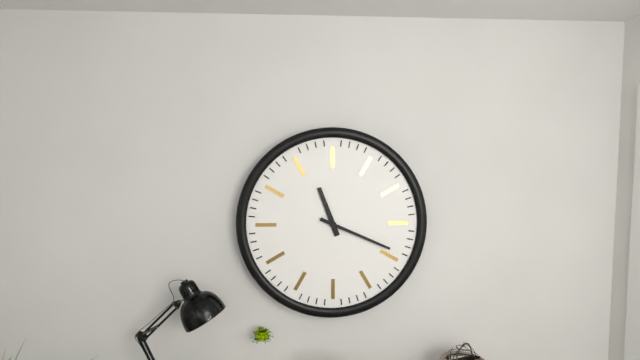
11:19
